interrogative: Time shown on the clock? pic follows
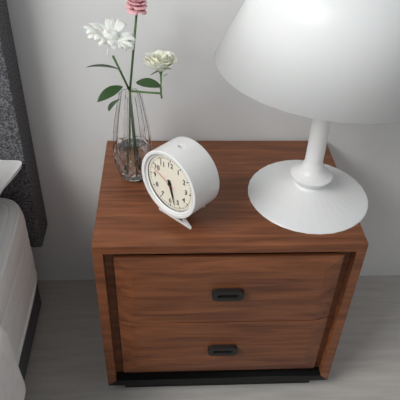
5:27
